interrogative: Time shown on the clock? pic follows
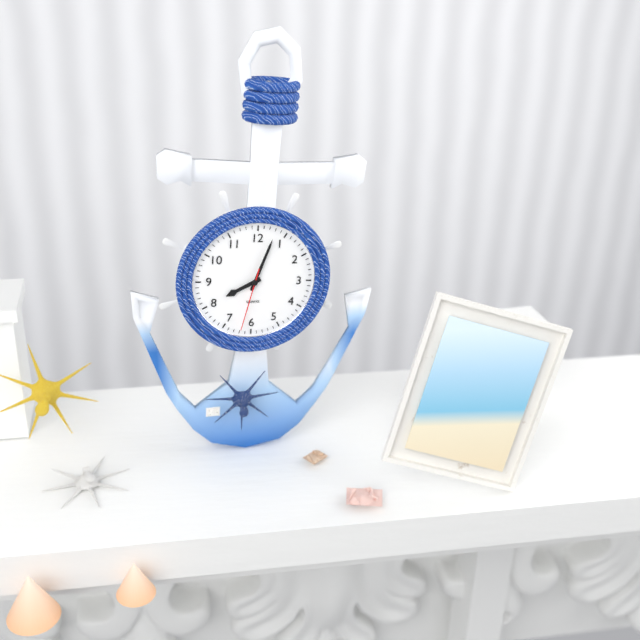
8:03:32
